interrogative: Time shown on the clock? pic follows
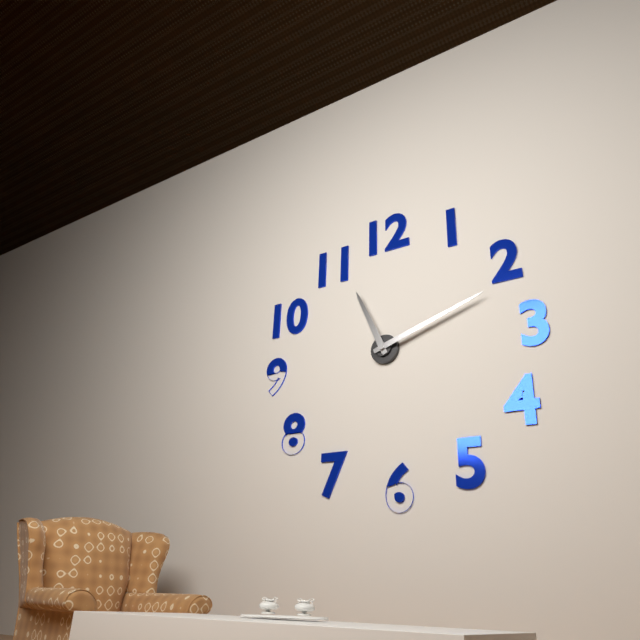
11:12
